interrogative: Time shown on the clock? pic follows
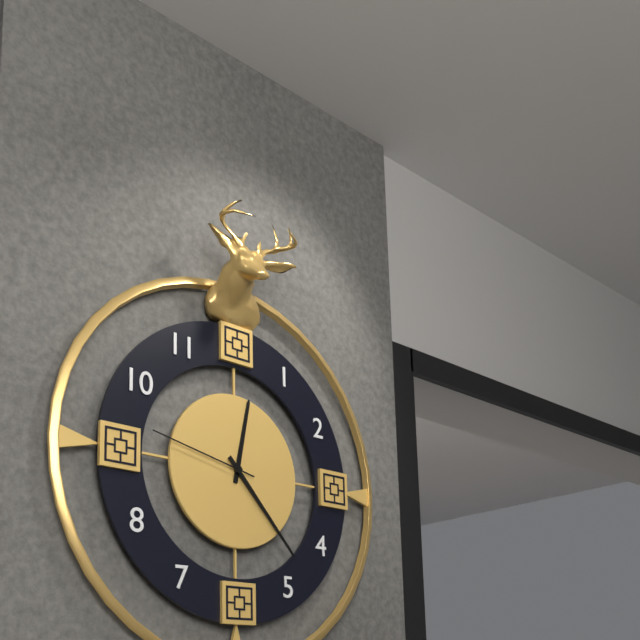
12:23:47
